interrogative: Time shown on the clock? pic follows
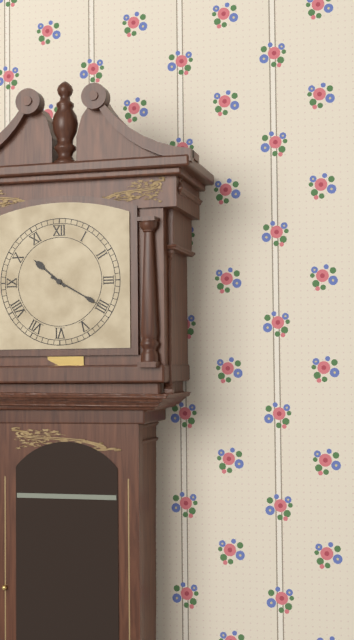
10:20
